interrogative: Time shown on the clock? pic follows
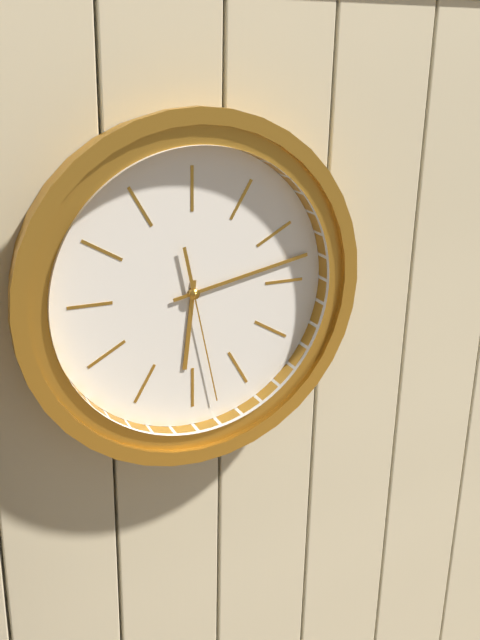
6:13:28
